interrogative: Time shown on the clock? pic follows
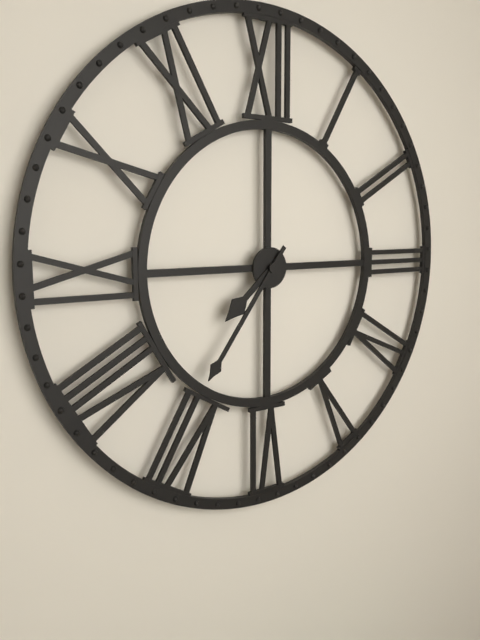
7:36
